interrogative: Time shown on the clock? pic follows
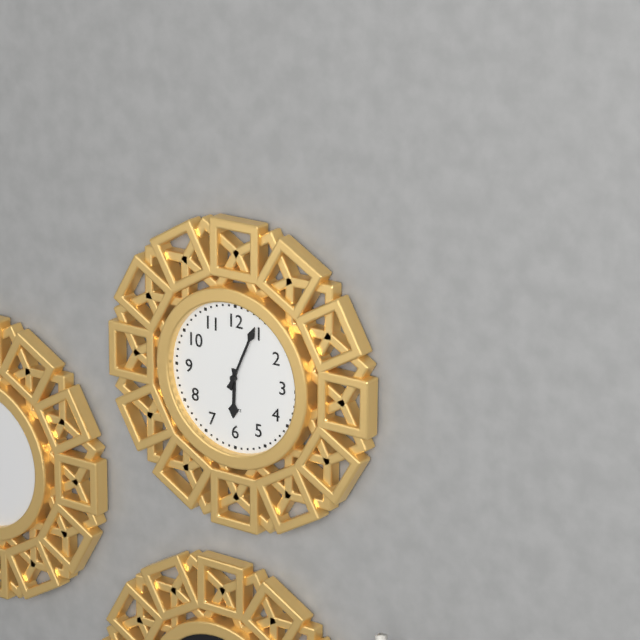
6:04
